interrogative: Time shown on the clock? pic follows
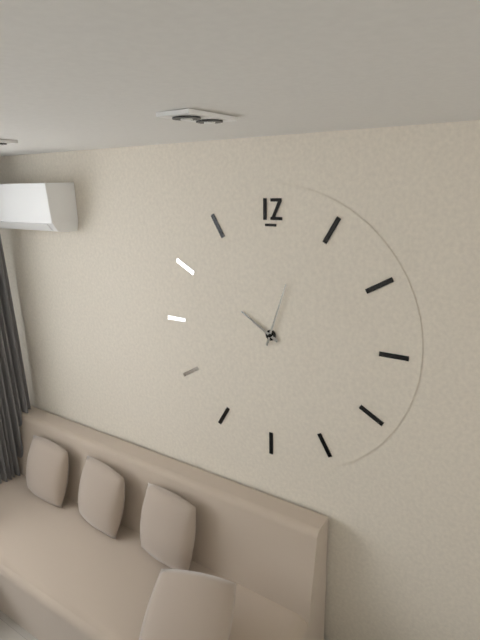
10:03
